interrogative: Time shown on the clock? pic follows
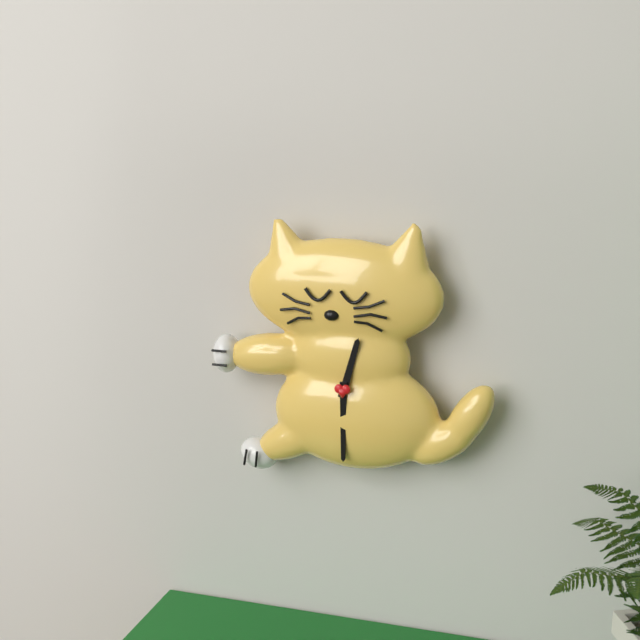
12:30
